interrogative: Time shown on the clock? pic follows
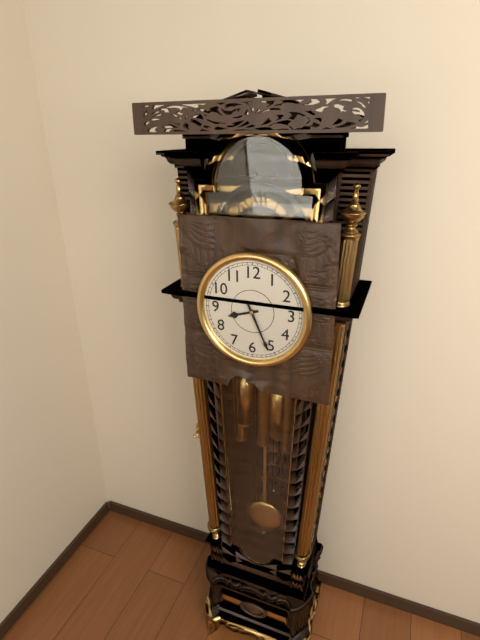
8:26
